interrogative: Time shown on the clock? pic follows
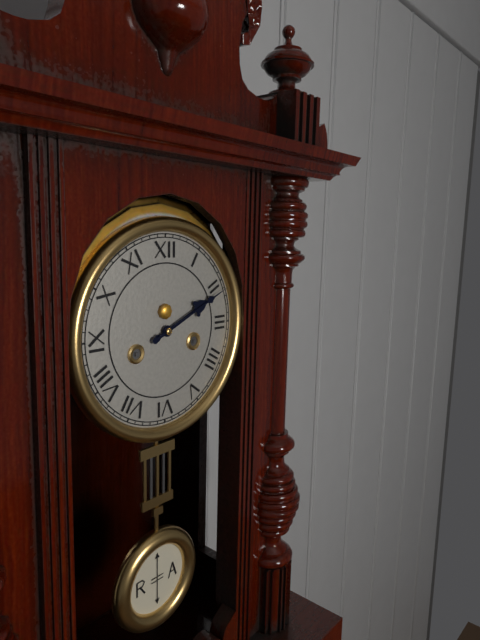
2:11
